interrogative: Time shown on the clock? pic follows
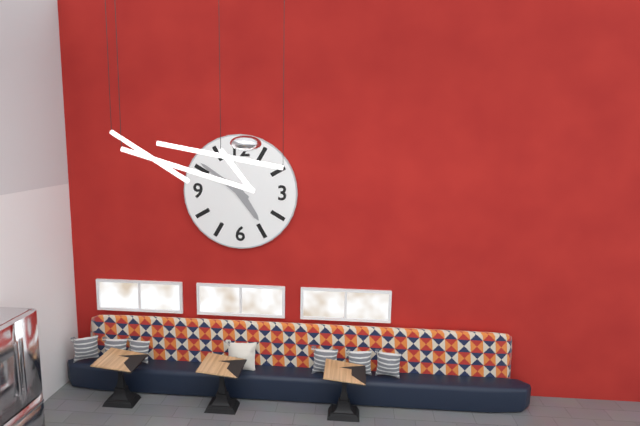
4:51
